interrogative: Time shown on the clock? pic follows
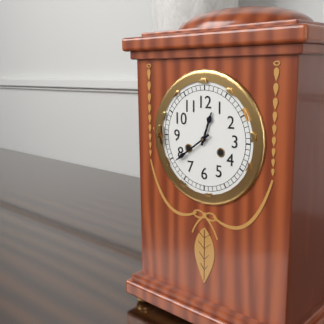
12:39
